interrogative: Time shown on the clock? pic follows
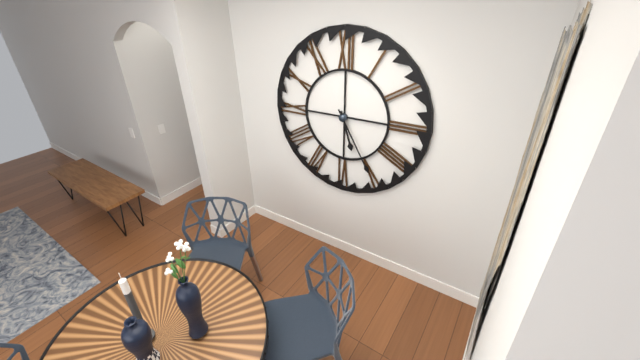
5:25
